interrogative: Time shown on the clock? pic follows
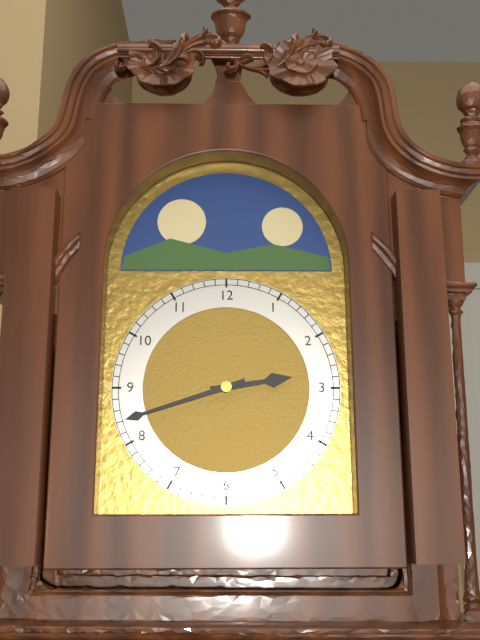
2:42
